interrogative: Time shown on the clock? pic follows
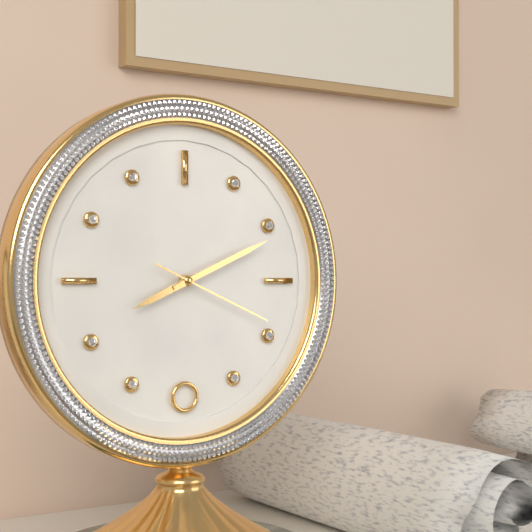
8:11:19
